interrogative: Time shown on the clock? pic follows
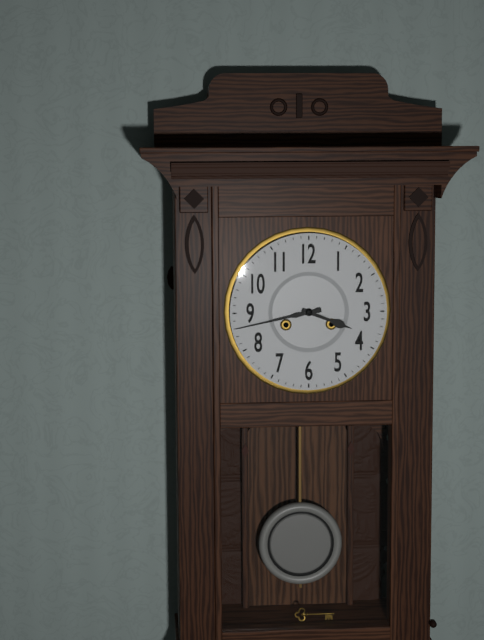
3:43
